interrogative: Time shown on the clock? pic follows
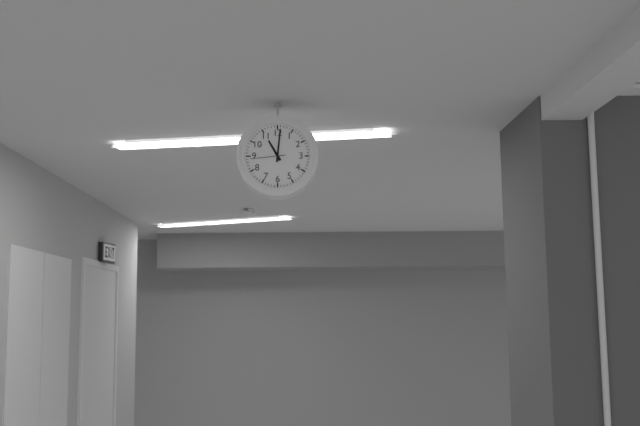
11:01
